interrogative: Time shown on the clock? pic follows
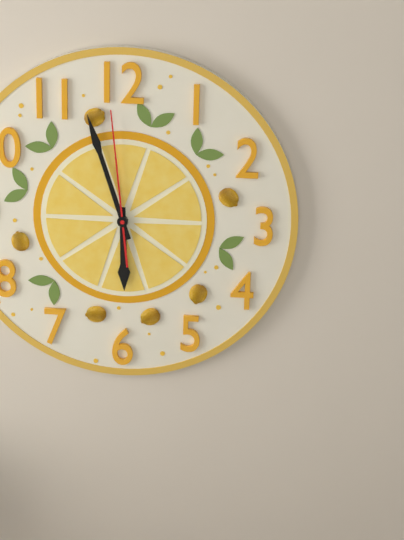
5:57:59
